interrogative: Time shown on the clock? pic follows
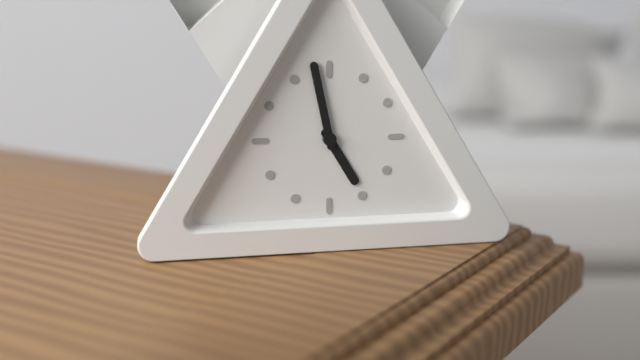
4:58
